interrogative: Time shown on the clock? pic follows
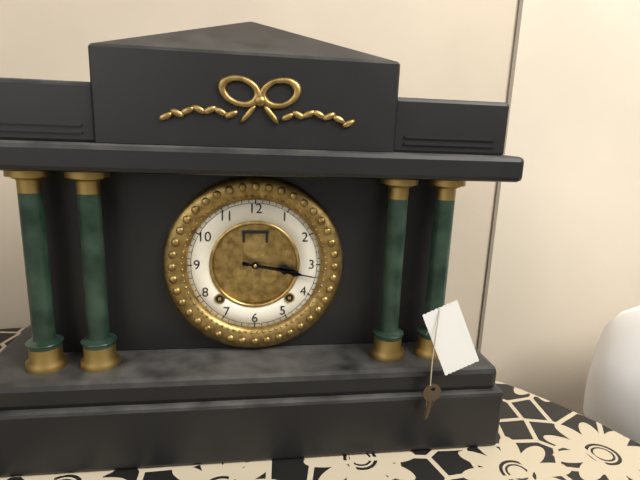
3:17
